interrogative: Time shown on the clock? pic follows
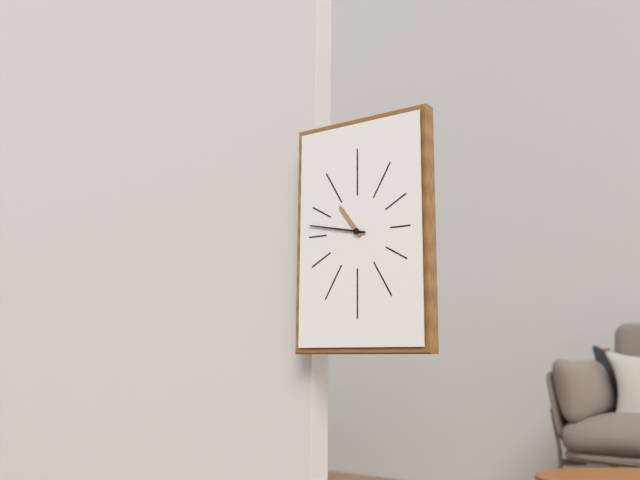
10:47
